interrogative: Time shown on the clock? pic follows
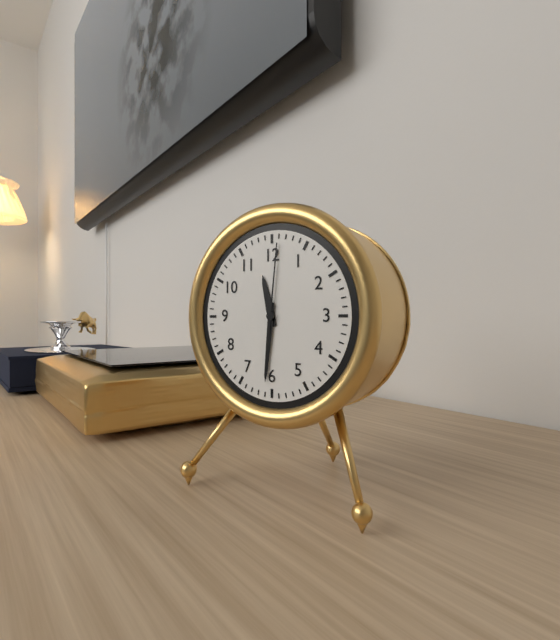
11:31:01
